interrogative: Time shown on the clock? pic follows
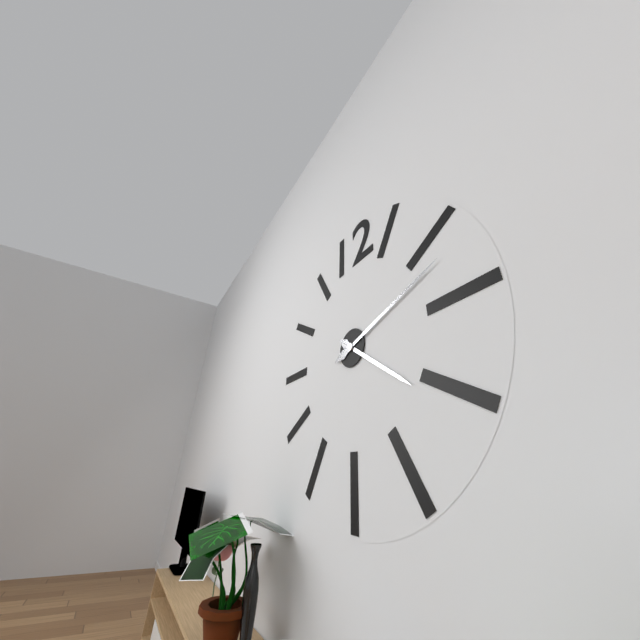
4:12
